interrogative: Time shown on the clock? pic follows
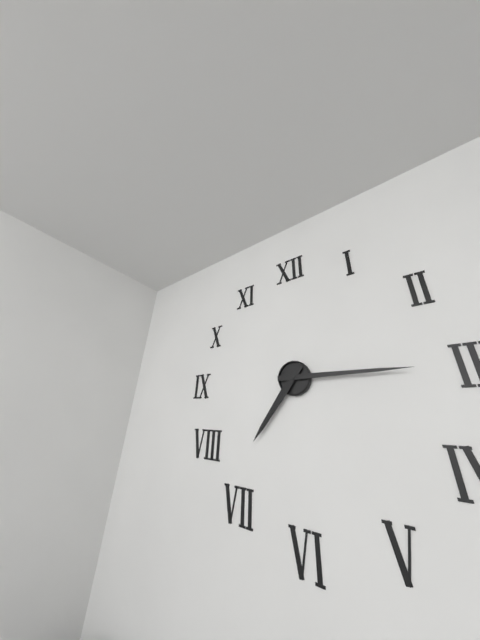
7:15
